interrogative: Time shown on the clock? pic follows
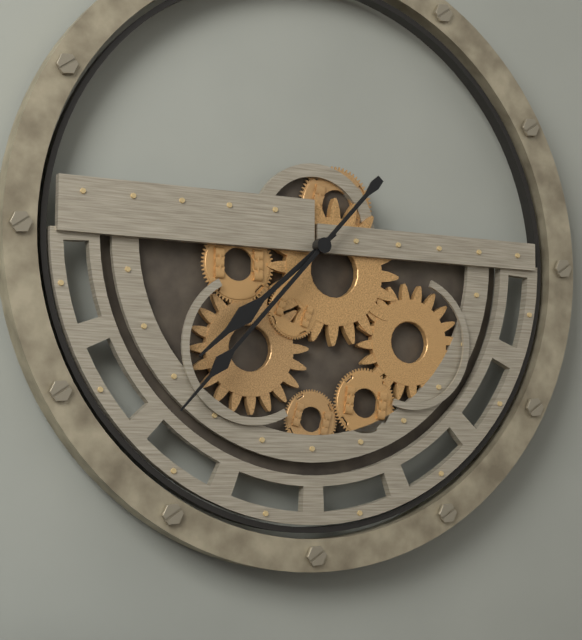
7:37
